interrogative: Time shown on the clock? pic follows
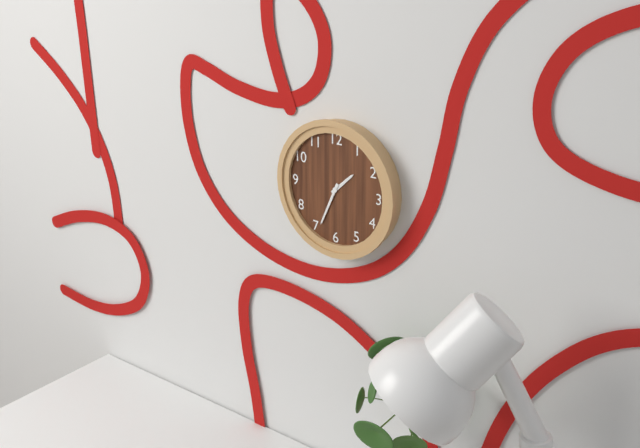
1:34
